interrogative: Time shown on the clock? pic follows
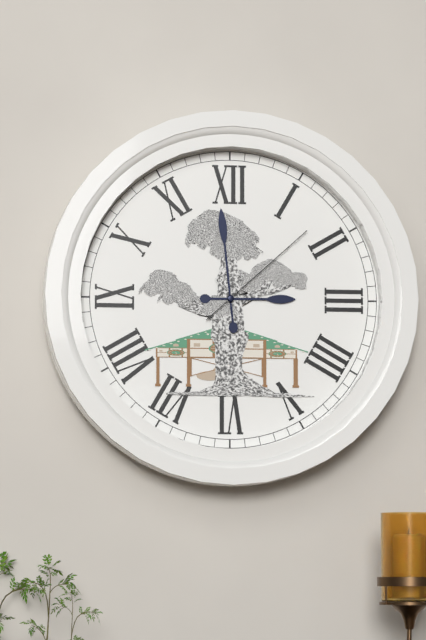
2:59:08
